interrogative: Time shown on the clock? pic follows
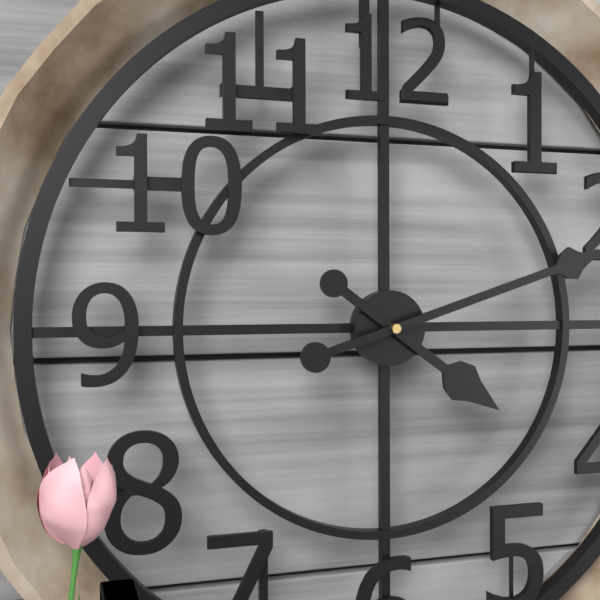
4:12
